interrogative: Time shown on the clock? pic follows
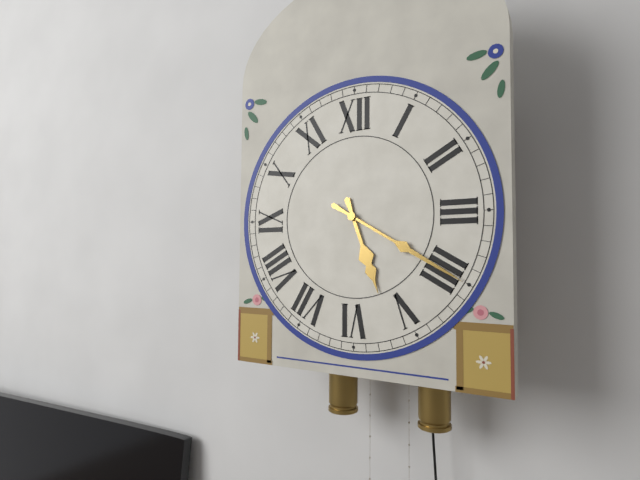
5:20
